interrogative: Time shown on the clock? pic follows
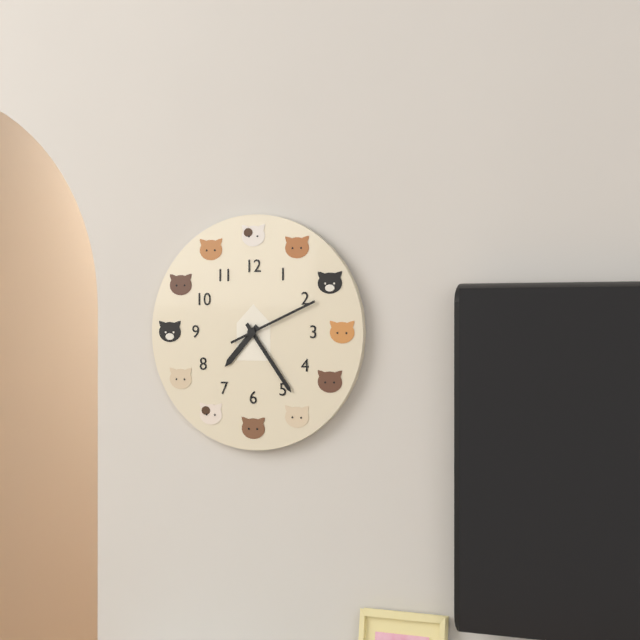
7:24:11
